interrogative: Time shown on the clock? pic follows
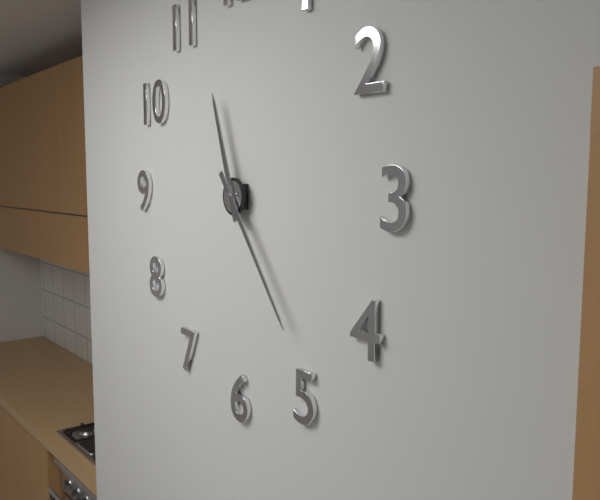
11:24
